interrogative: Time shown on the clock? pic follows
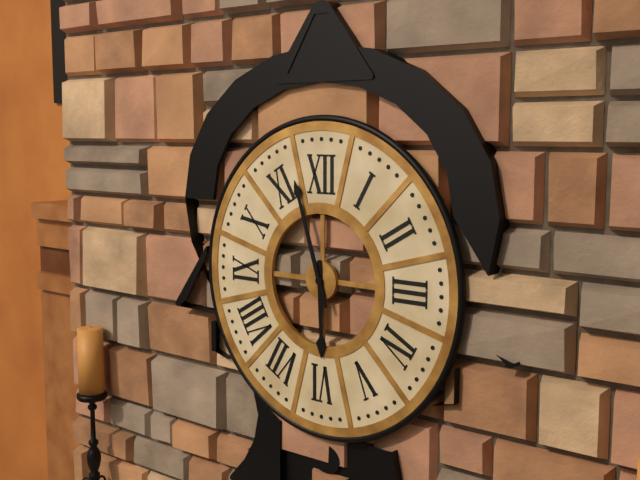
5:57
